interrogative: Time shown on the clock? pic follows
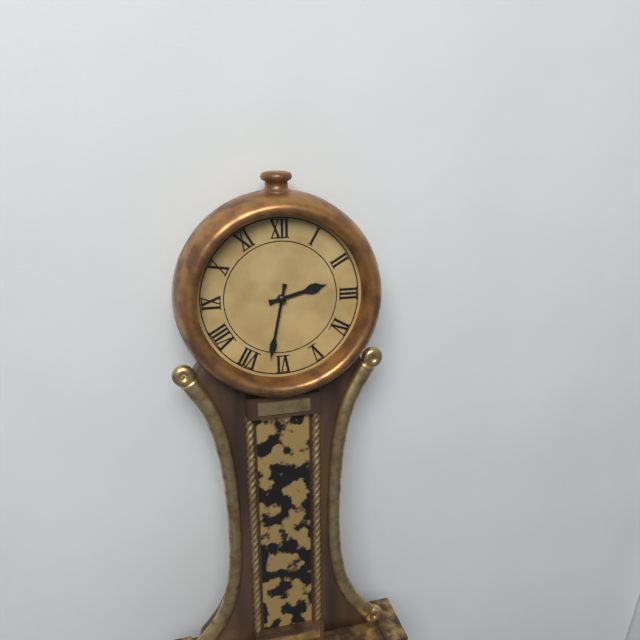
2:32
